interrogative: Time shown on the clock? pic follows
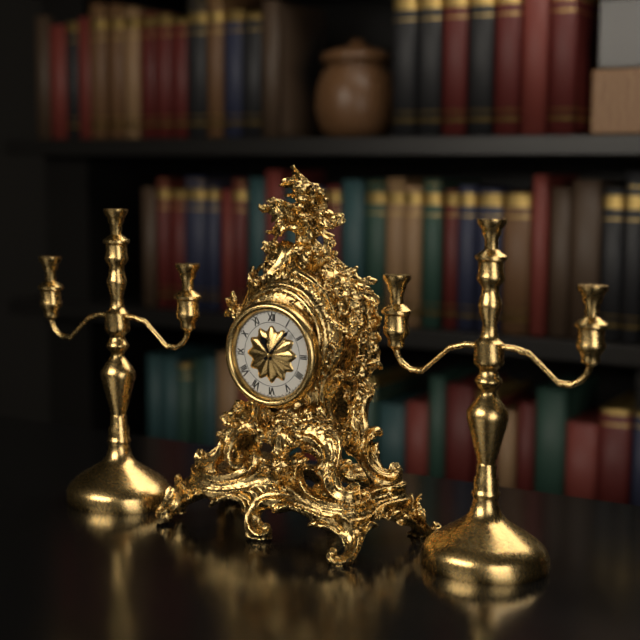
11:07
